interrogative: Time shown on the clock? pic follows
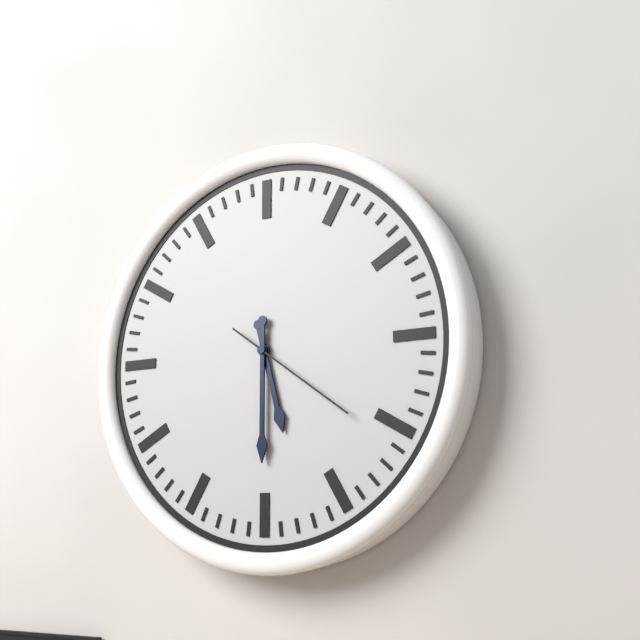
5:30:21
